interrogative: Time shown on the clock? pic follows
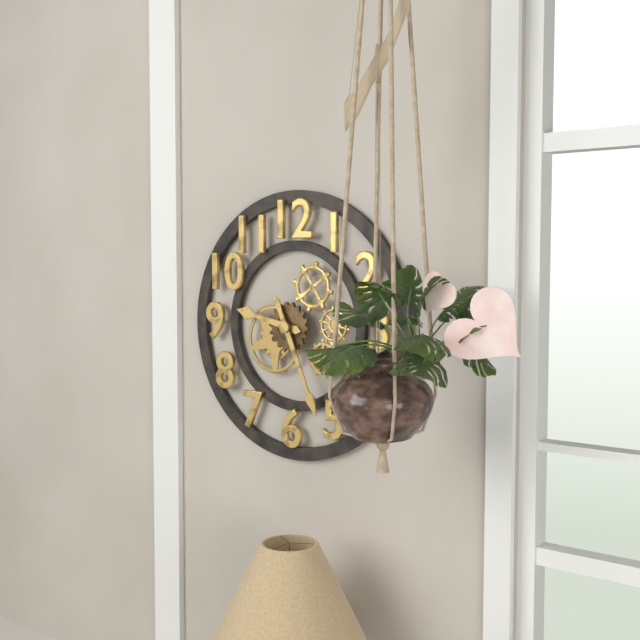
9:26
